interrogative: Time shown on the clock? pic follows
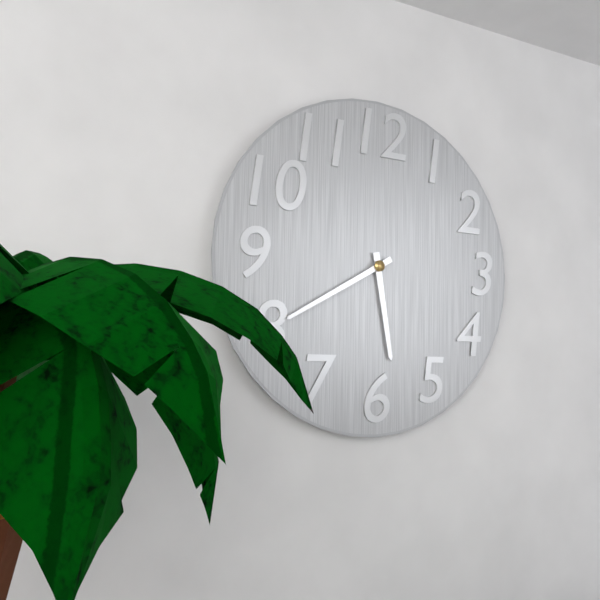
5:40
